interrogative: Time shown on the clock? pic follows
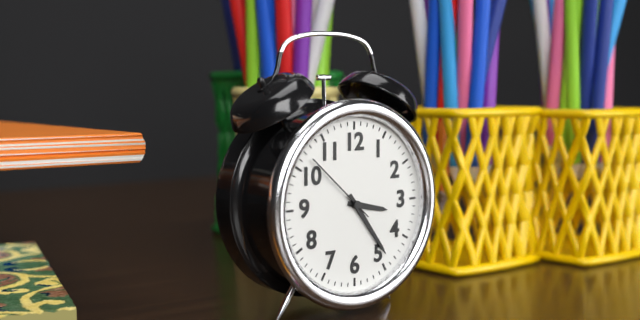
3:24:52
